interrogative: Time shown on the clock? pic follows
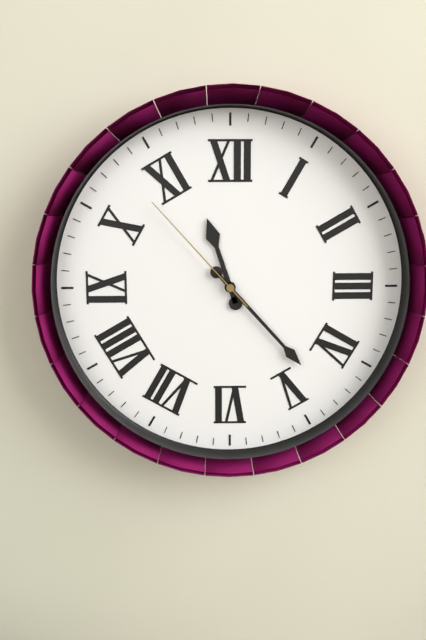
11:23:53
